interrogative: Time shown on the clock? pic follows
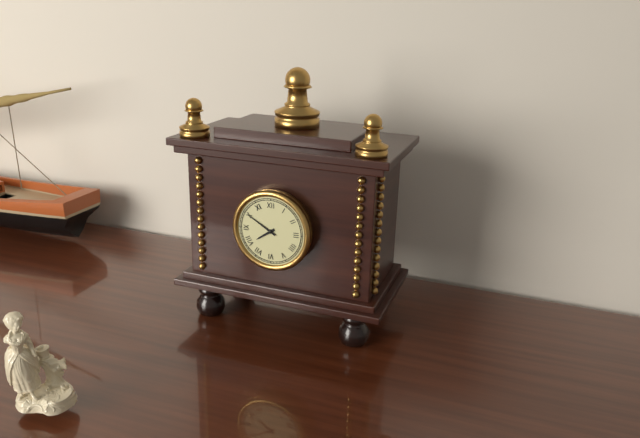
7:50
